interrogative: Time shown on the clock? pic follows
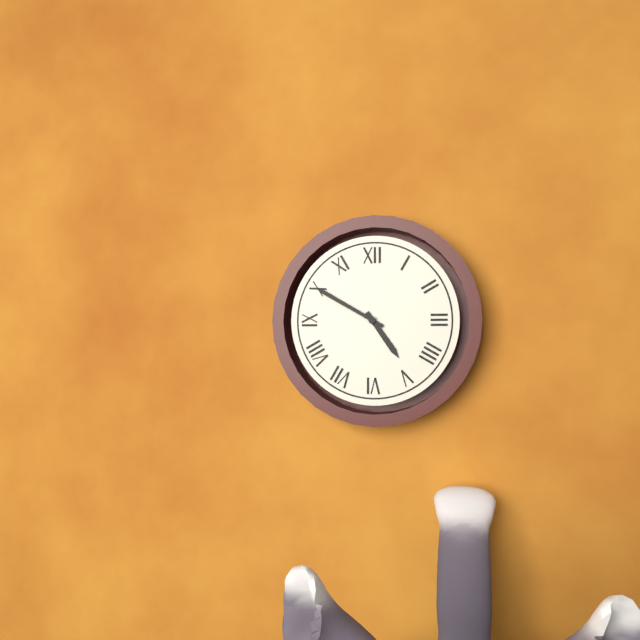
4:50
